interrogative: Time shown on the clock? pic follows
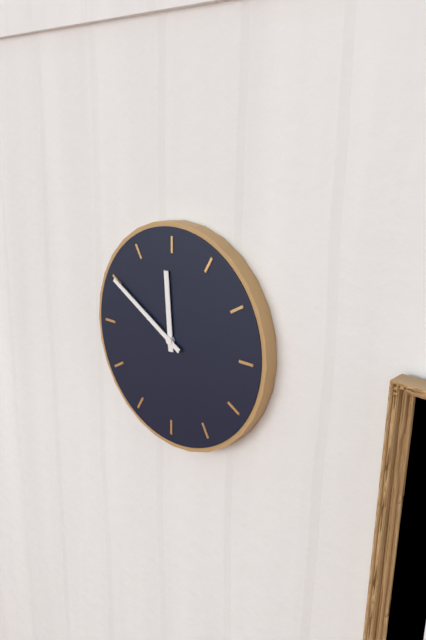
11:50
